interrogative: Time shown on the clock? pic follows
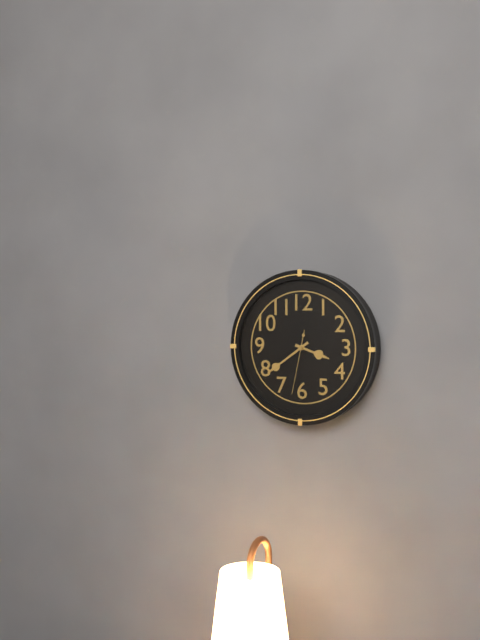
3:39:32
